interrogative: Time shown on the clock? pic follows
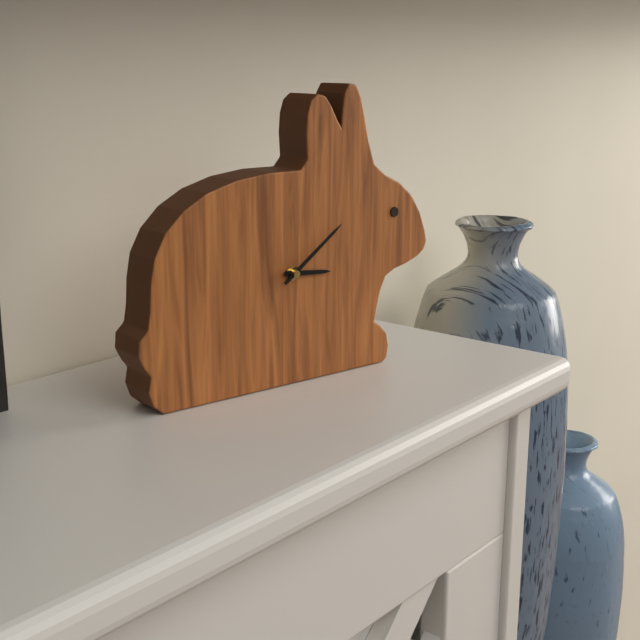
3:09
